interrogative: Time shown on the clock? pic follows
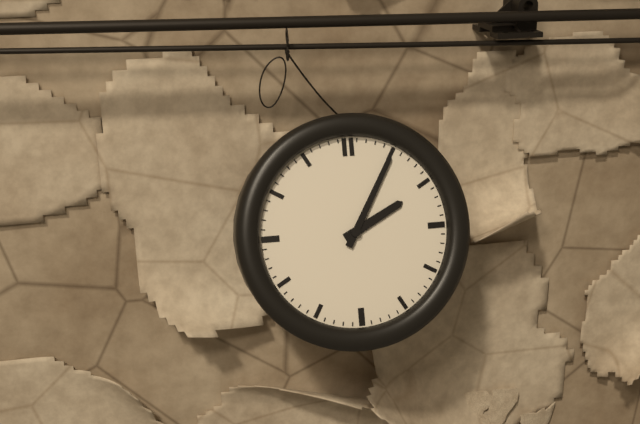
2:05
